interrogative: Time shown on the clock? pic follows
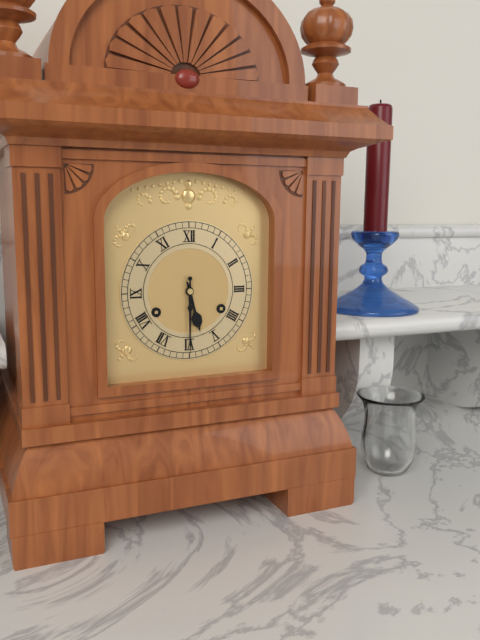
5:30
